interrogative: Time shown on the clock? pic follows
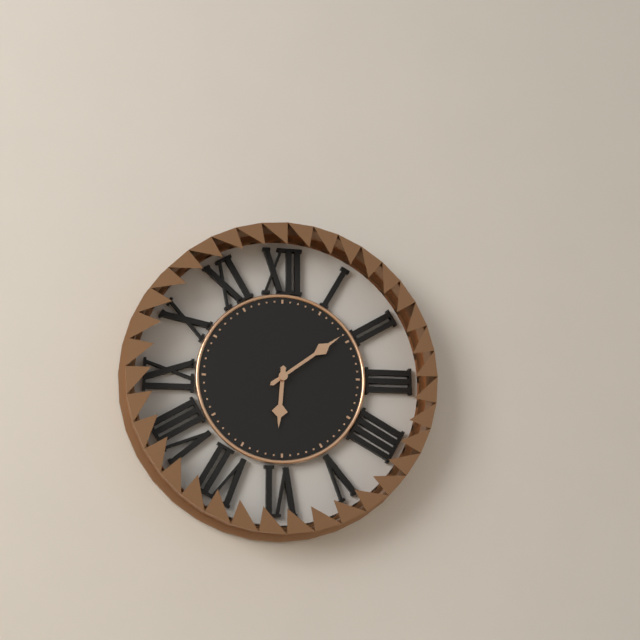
6:09
